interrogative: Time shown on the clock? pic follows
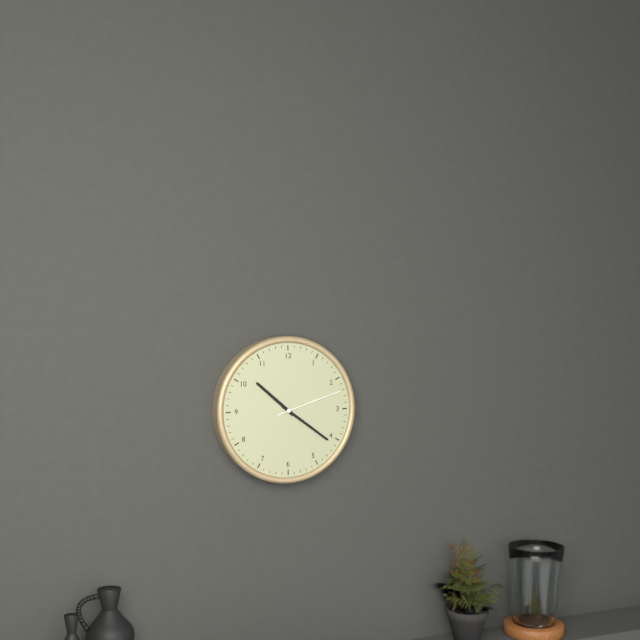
10:21:12
